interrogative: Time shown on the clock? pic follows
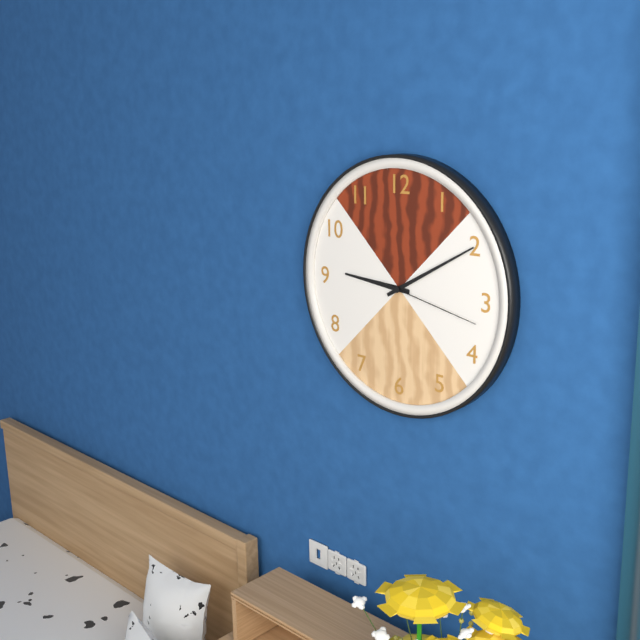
9:10:17
